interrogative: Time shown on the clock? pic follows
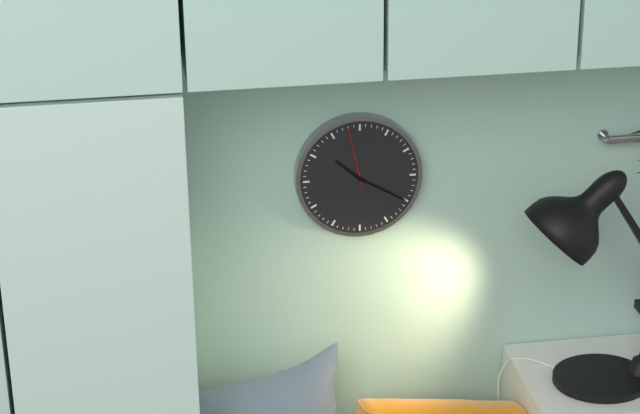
10:20:58
